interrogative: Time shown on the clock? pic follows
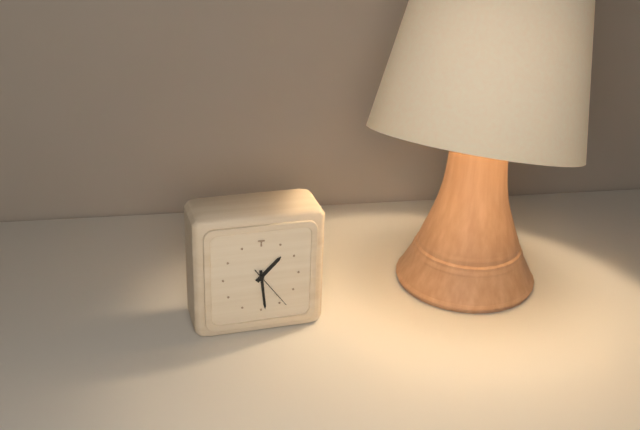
1:29
